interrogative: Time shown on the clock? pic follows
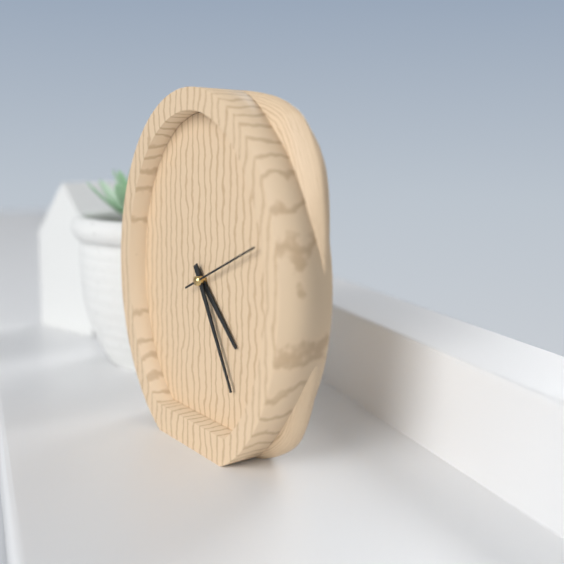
4:25:11
